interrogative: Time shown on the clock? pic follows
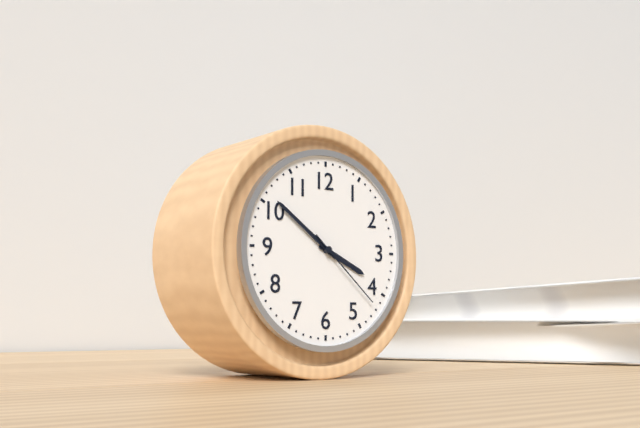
3:51:22
